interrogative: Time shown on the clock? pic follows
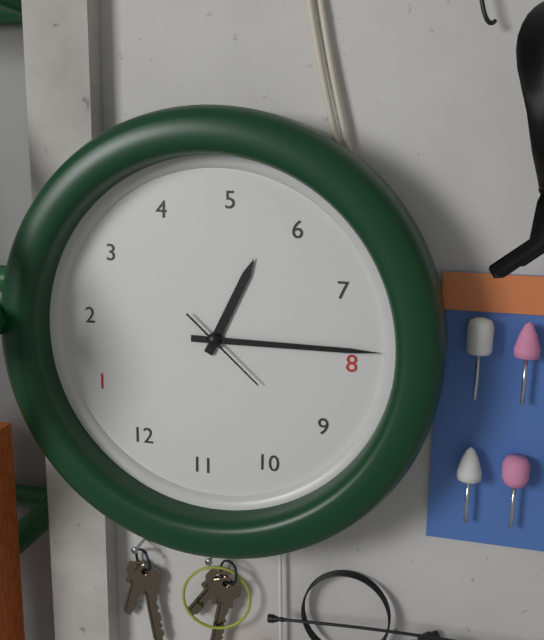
5:39:46
